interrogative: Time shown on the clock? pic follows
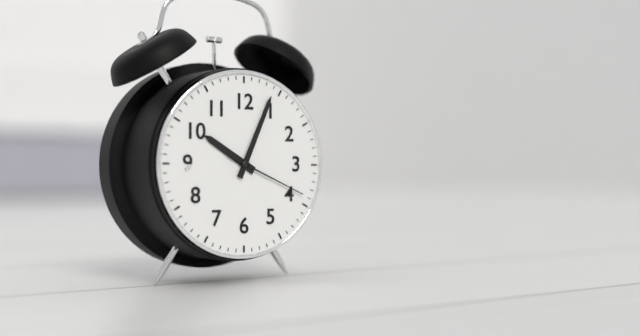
10:04:19
